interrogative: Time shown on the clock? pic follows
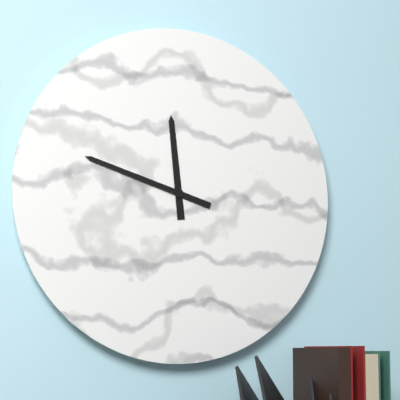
11:48
